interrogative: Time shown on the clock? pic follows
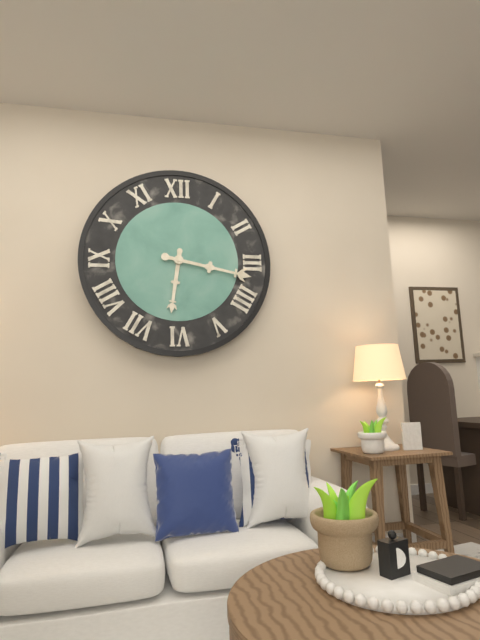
6:17
